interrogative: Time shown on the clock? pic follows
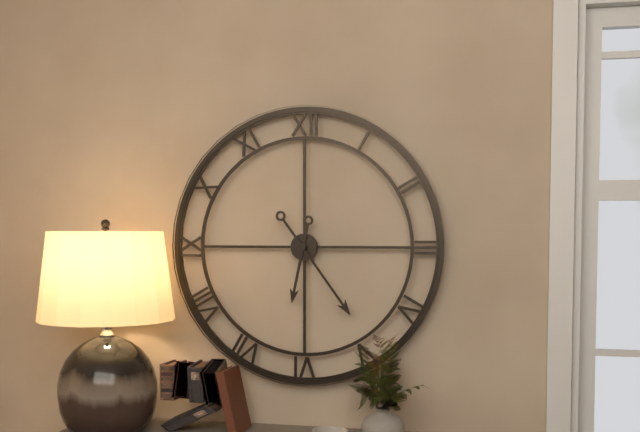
6:24
